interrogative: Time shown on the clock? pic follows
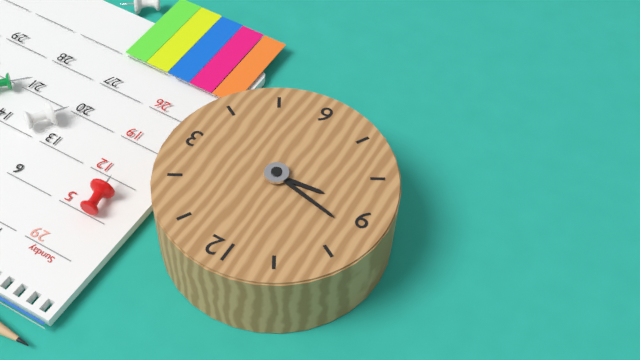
8:47
